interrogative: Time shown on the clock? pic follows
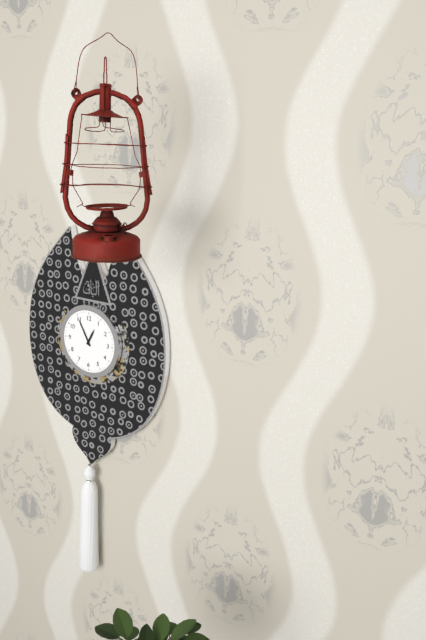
12:55
